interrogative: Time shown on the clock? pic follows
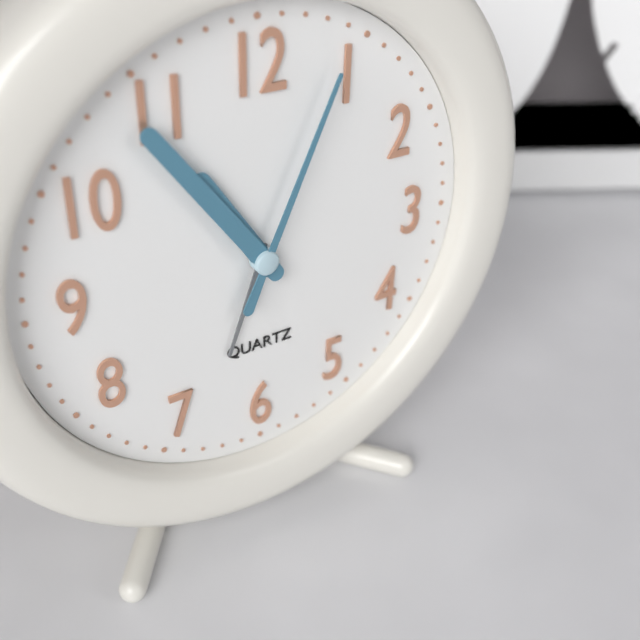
10:54:04
